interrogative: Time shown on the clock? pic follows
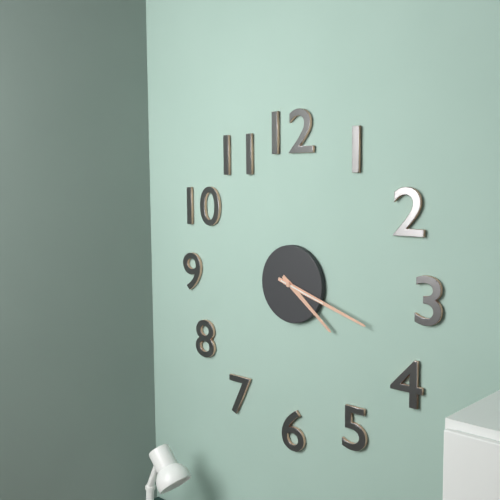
4:18
